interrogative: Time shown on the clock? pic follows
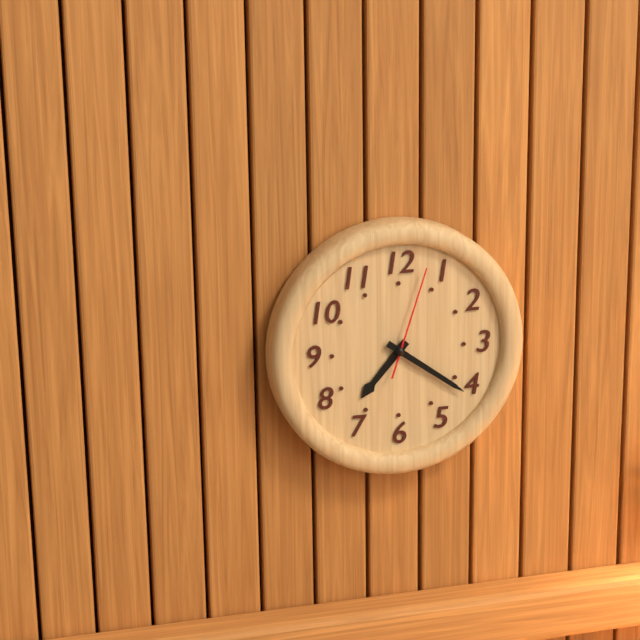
7:21:03
